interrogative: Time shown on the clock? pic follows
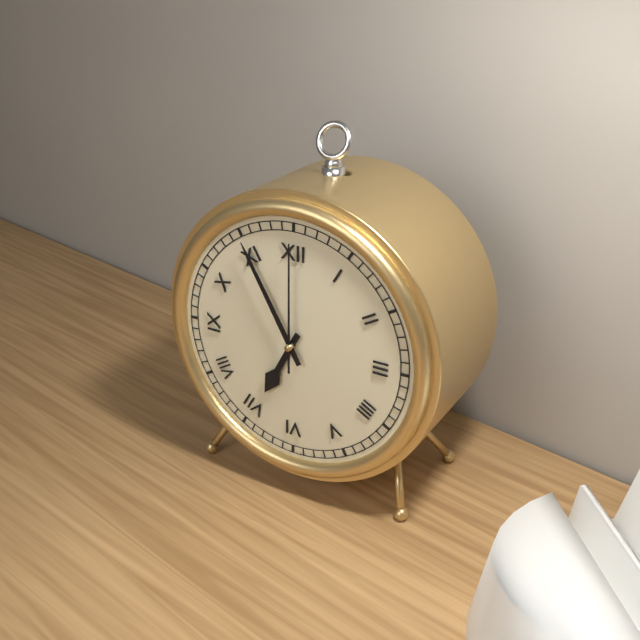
6:55:00
